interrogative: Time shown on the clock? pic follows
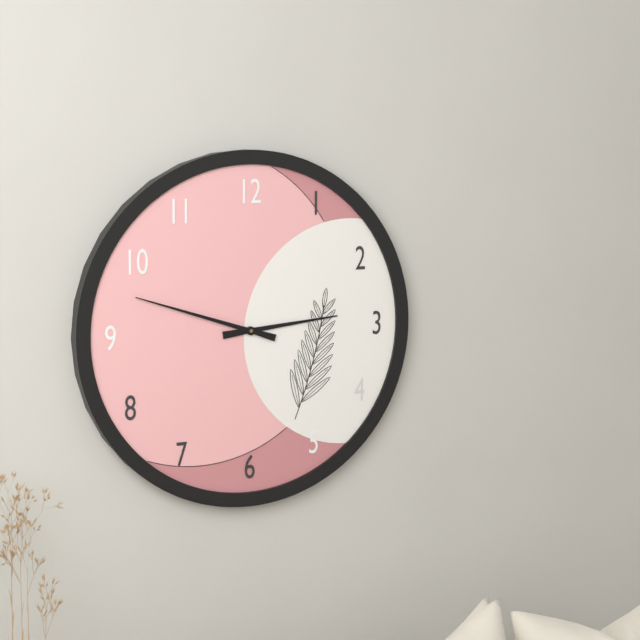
2:48
